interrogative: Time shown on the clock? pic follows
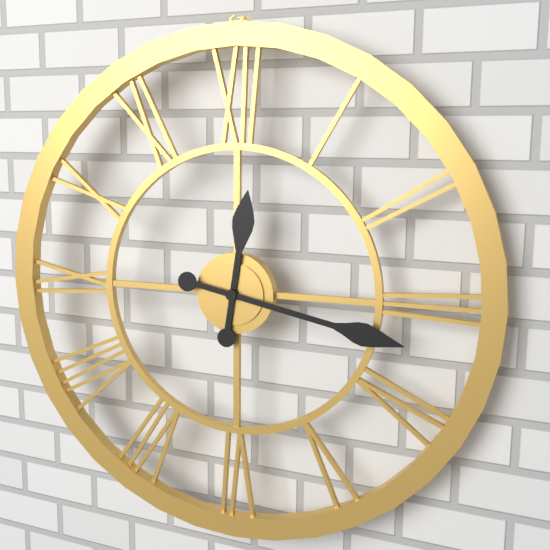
12:17
